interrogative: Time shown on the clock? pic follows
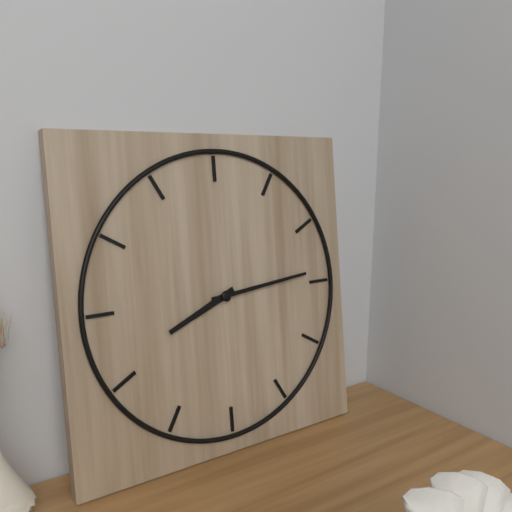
8:14
